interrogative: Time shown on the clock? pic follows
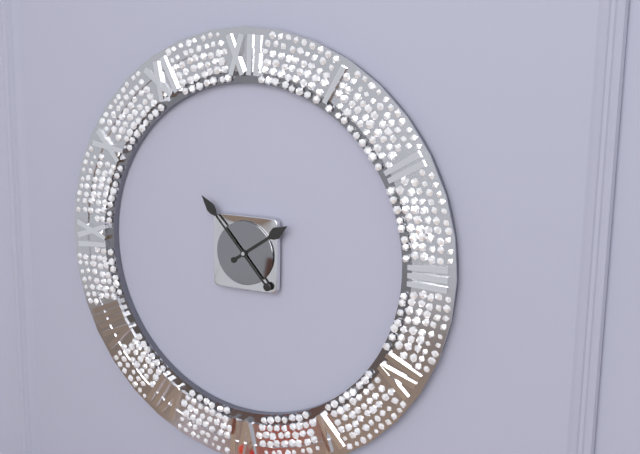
1:53
